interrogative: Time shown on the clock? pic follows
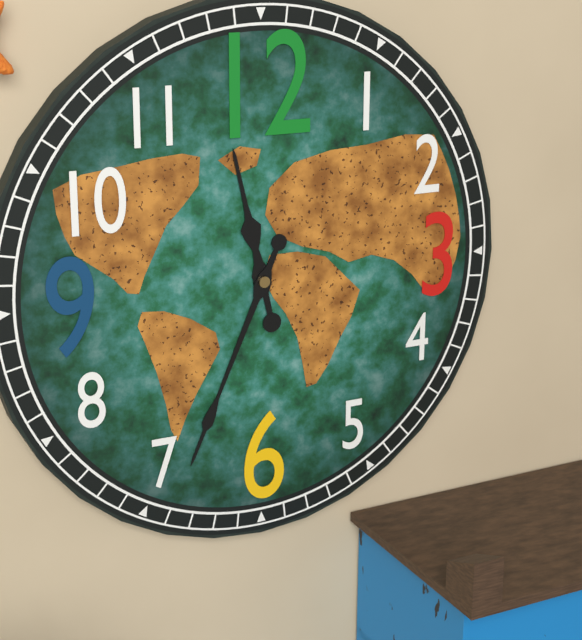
11:34
